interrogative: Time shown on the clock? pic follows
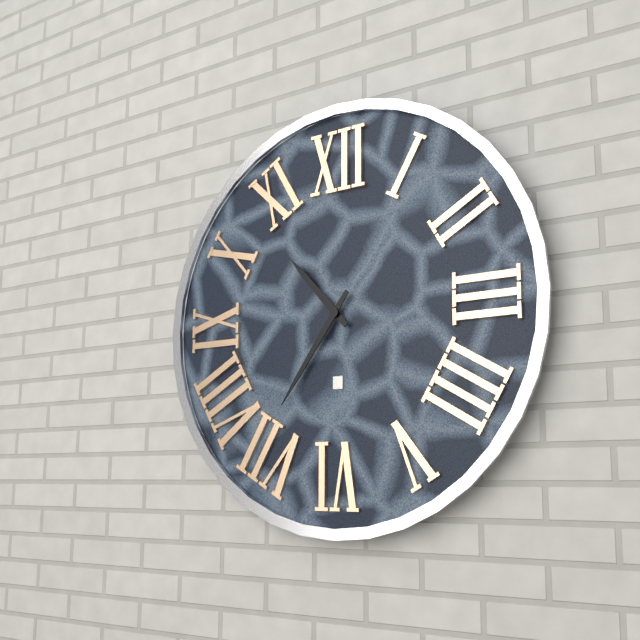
10:36
